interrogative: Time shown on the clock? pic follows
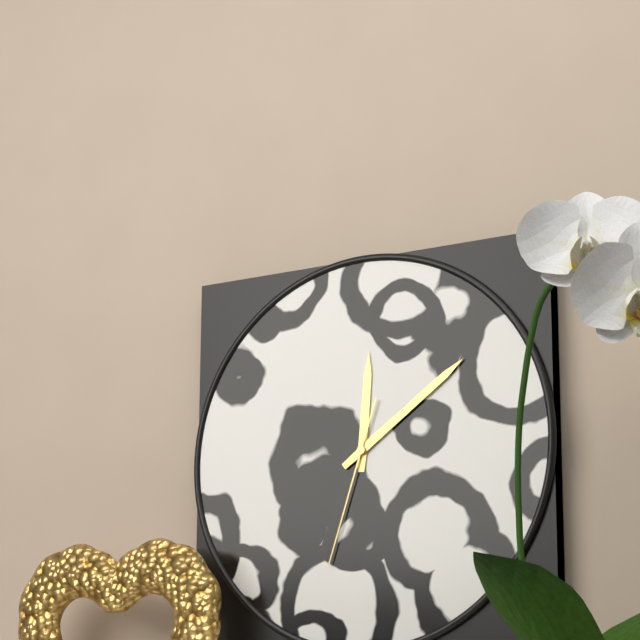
12:09:33
